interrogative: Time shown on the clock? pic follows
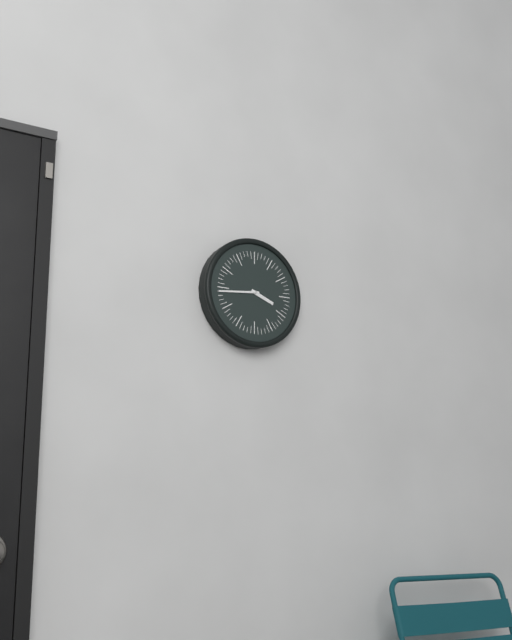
3:44
